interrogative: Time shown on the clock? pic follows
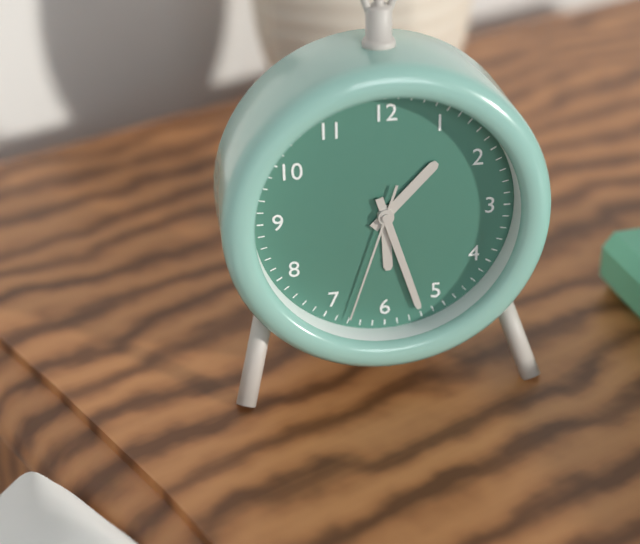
1:27:33
